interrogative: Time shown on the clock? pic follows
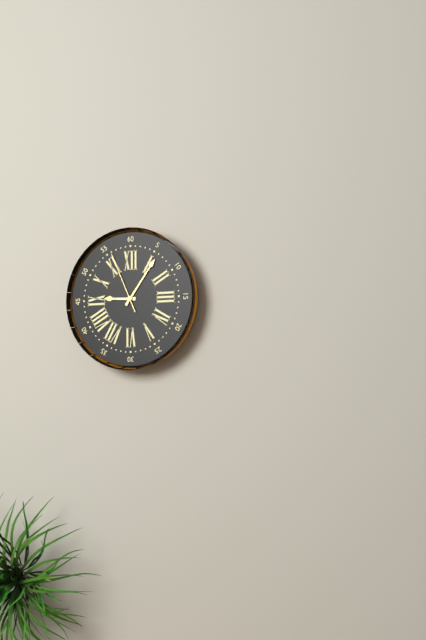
9:06:56
